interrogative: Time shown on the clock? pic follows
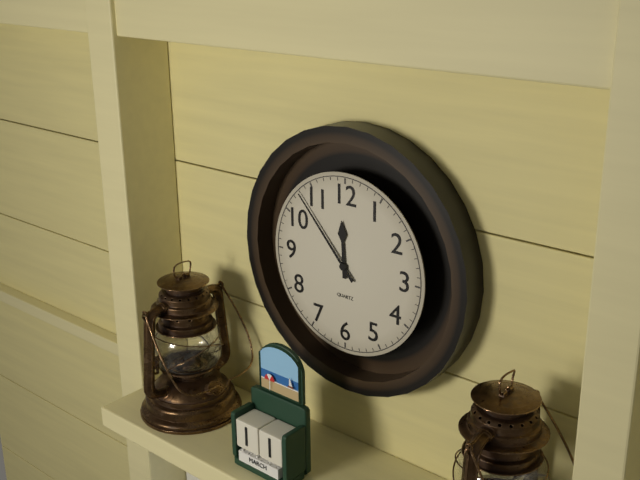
11:53
